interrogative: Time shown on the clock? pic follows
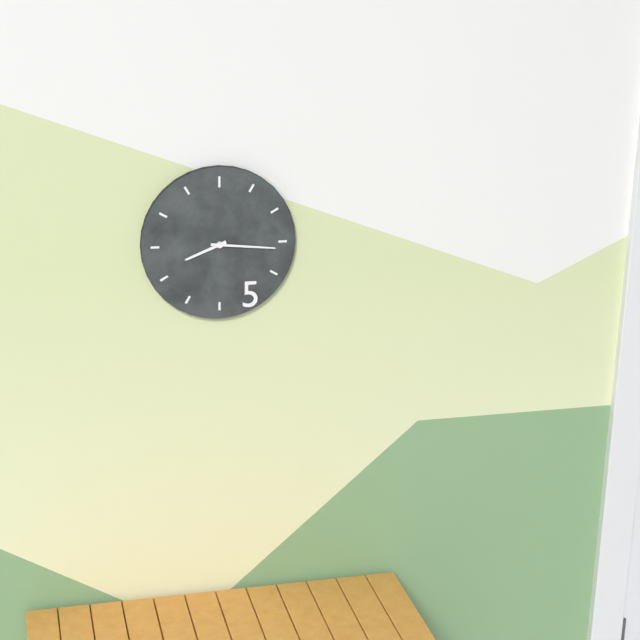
8:16
